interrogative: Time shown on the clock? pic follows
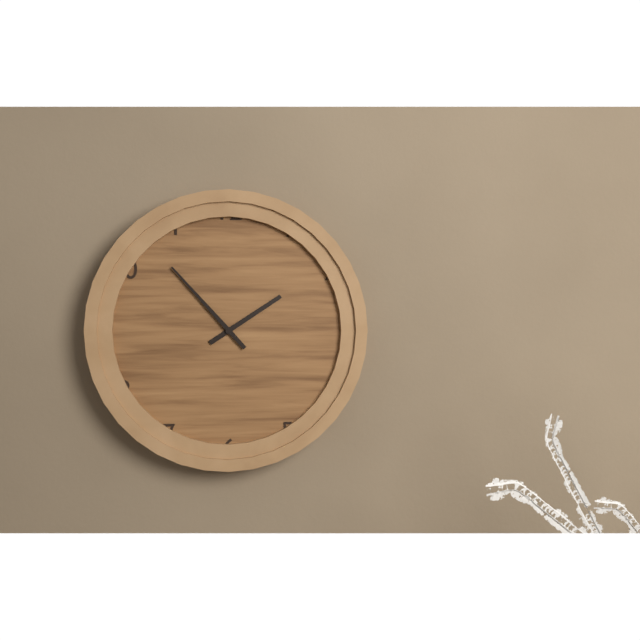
1:53
